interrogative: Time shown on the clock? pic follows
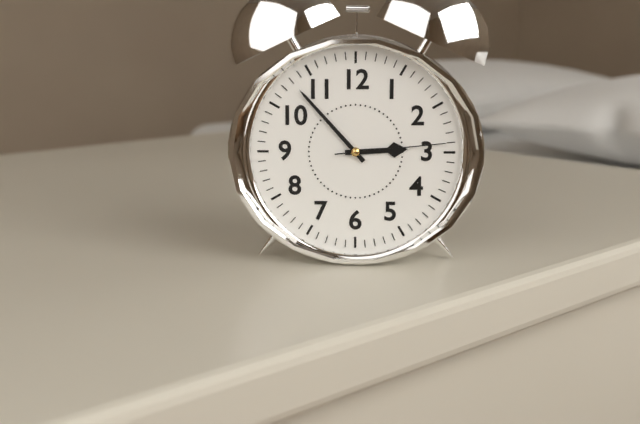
2:53:14
